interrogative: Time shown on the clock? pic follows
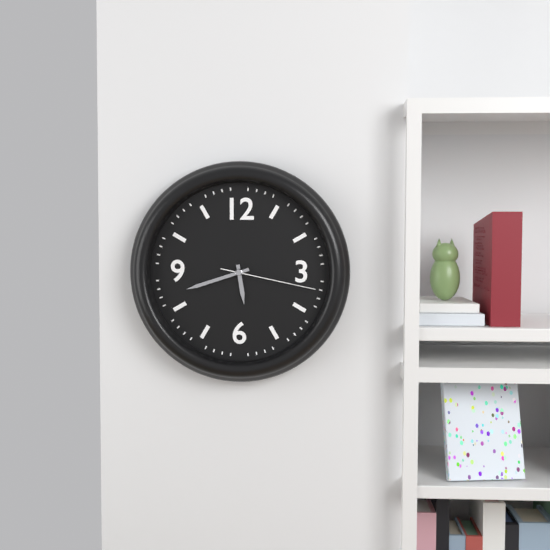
5:42:17
